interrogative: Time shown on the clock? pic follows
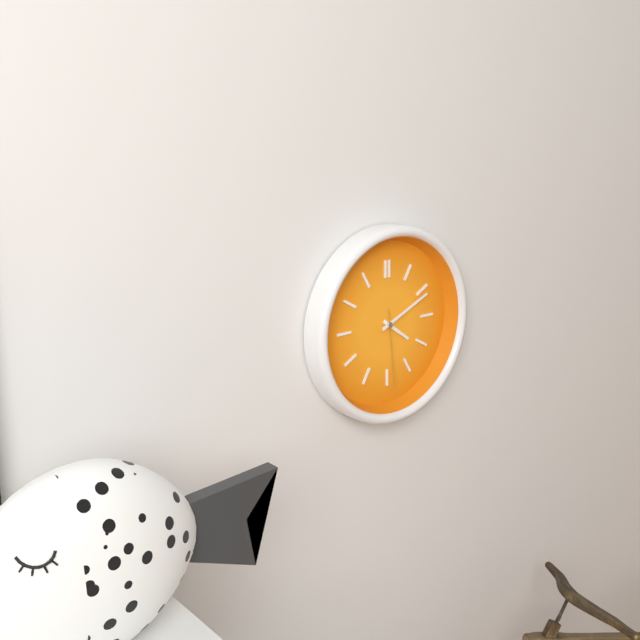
4:11:29
